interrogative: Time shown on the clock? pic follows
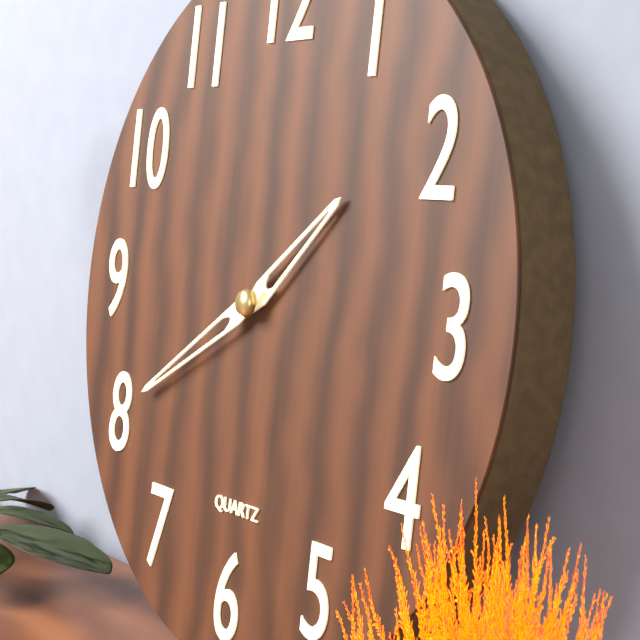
1:40
